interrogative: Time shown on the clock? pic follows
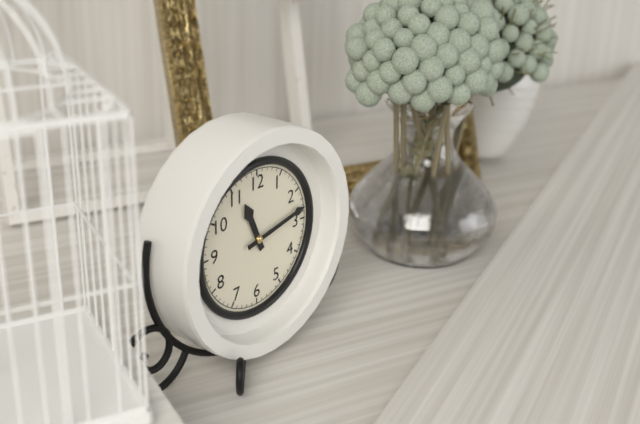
11:13
